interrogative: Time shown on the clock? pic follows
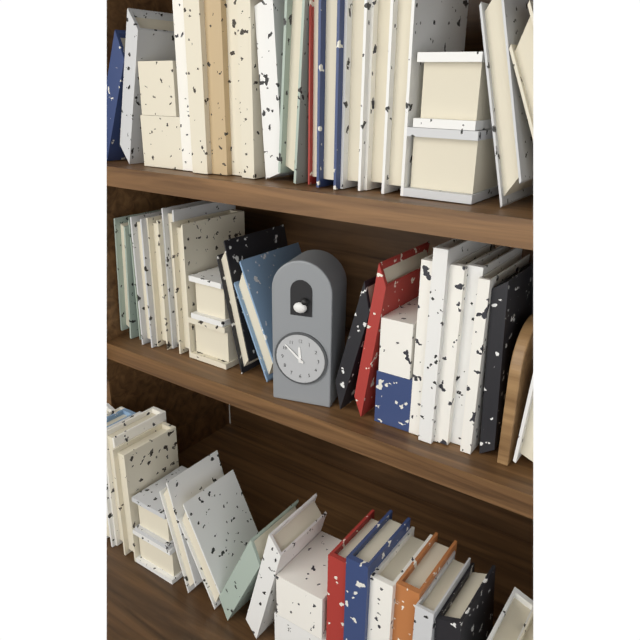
11:52
